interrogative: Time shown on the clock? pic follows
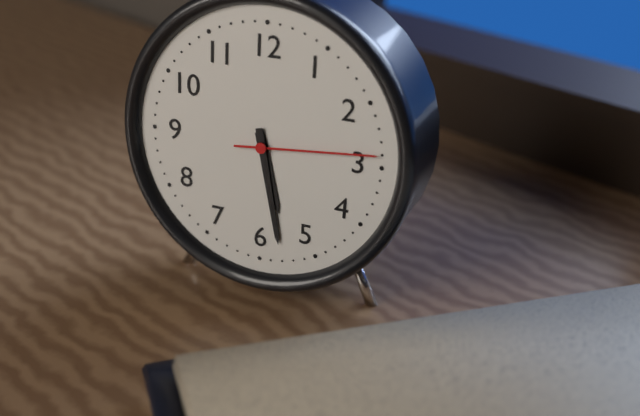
5:28:14
